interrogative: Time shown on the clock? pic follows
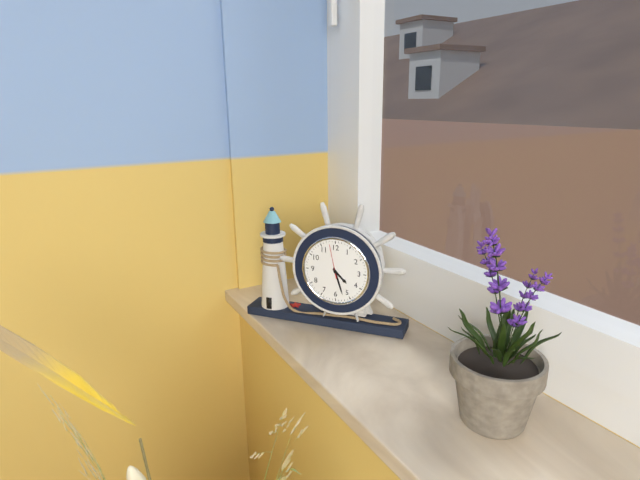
4:27
